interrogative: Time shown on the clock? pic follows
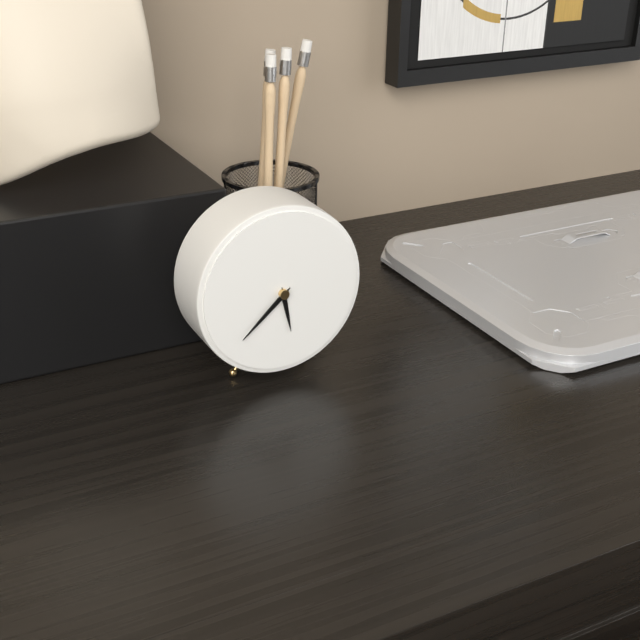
5:38
